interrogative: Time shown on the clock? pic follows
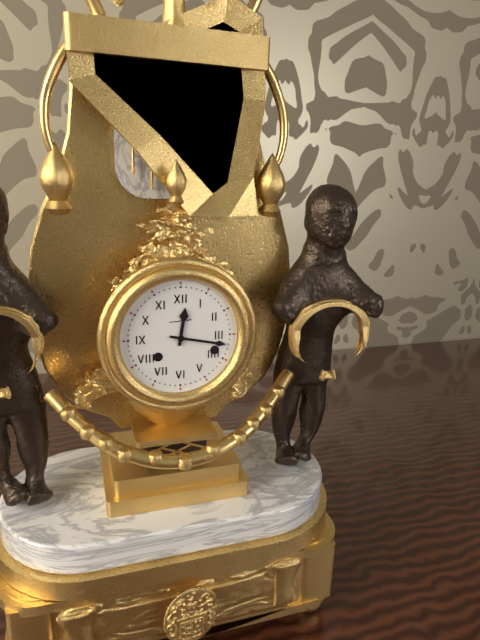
12:17
